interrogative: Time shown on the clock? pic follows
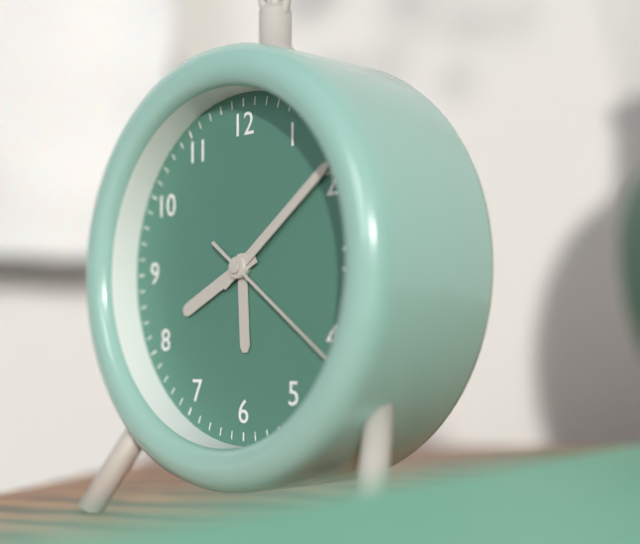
8:09:21
